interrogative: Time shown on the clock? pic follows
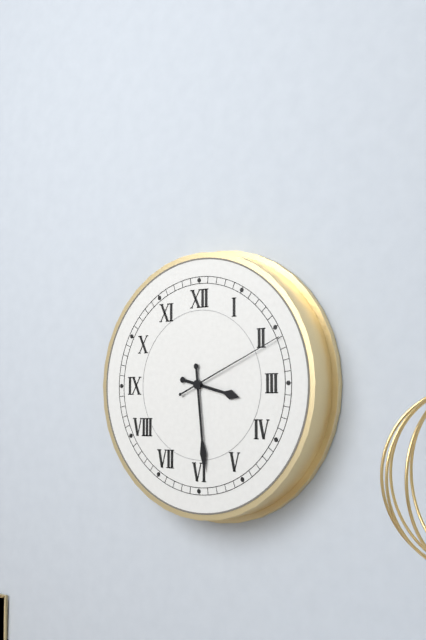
3:29:11
